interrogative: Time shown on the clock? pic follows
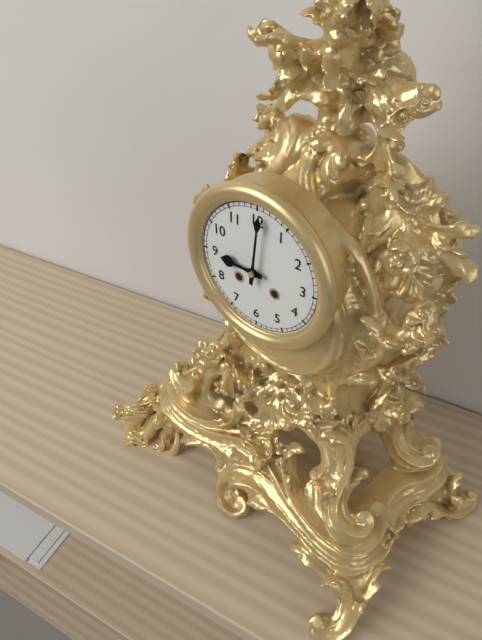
9:01
